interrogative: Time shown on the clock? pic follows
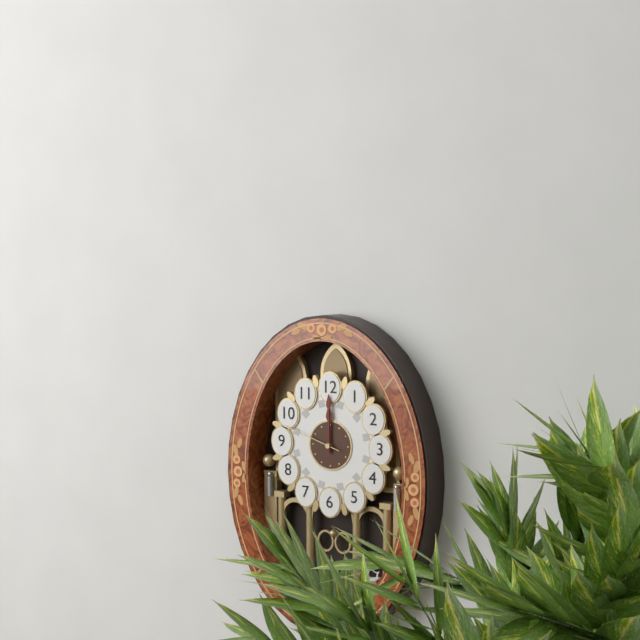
12:00:48
